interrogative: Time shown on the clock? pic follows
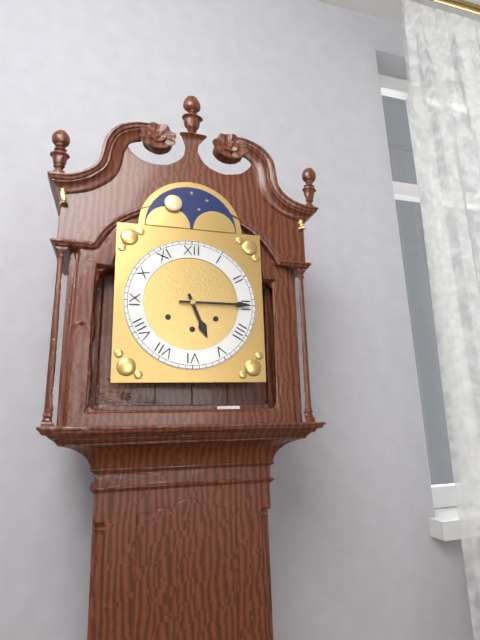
5:15
